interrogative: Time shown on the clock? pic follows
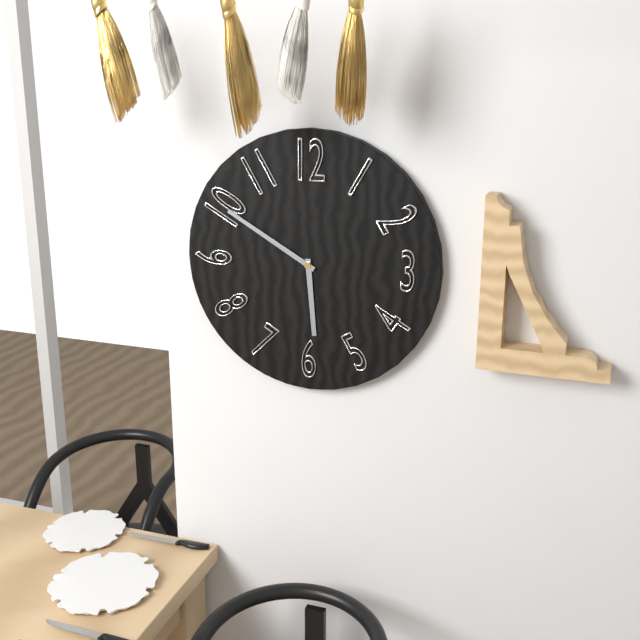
5:50
